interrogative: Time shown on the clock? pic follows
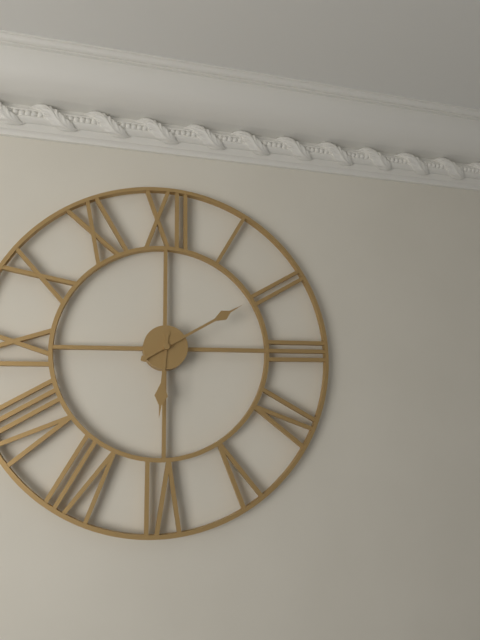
6:10
